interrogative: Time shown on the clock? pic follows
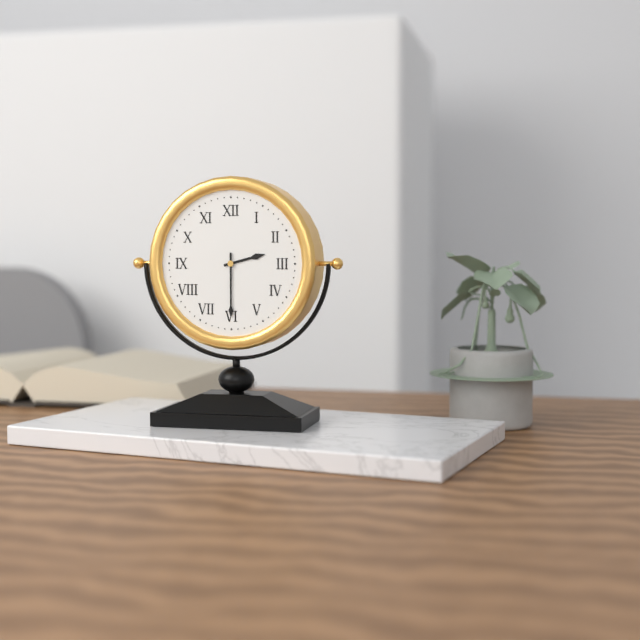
2:30
